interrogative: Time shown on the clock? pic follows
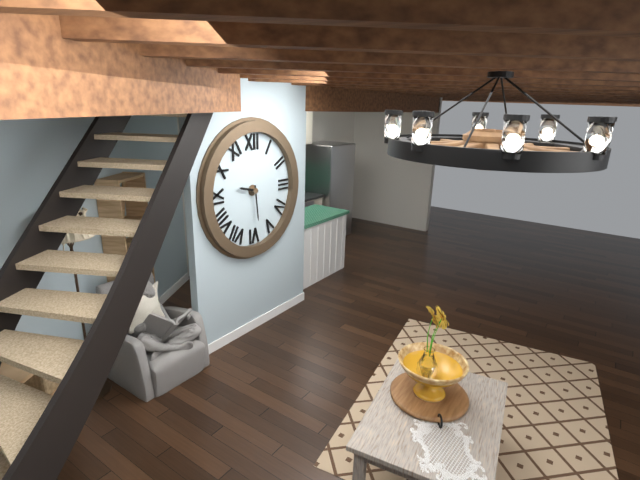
9:29
